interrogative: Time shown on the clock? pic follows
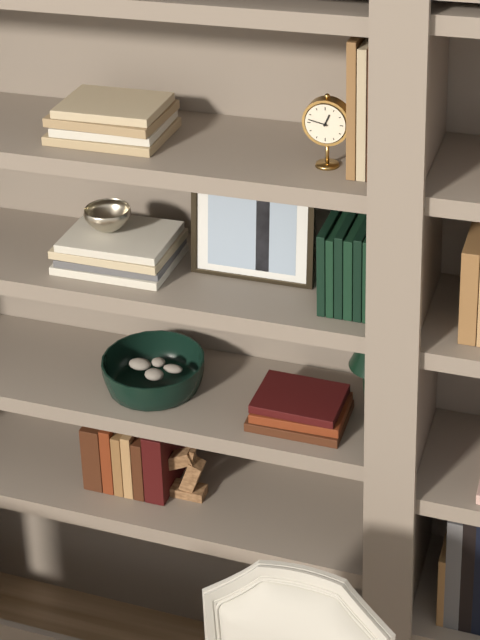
12:47
